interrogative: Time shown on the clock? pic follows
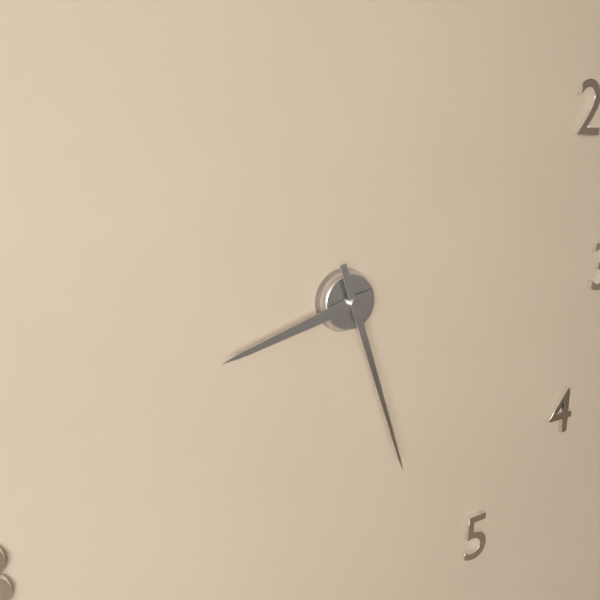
8:27
